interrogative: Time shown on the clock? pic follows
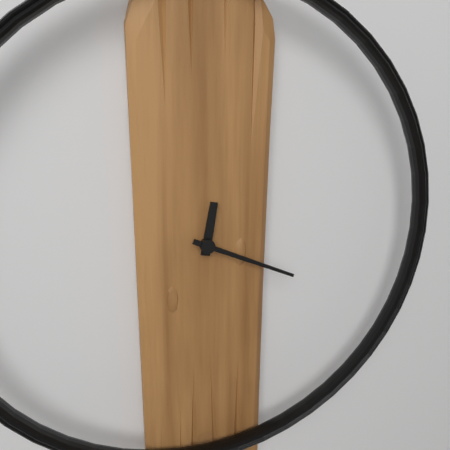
12:19
